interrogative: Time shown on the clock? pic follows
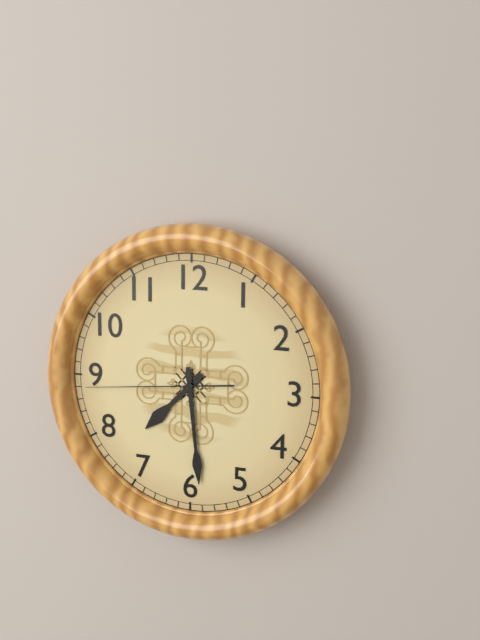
7:29:44
